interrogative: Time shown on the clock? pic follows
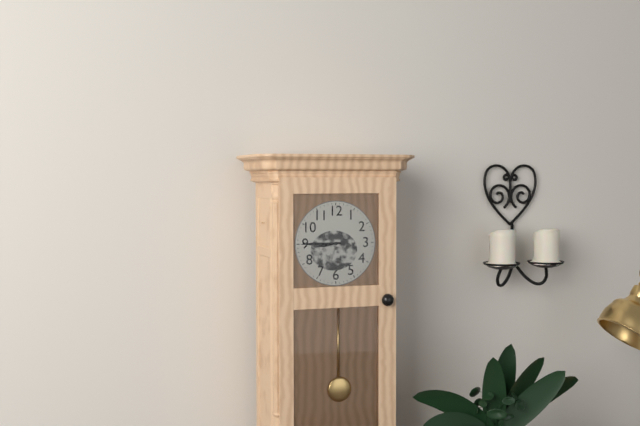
8:45
